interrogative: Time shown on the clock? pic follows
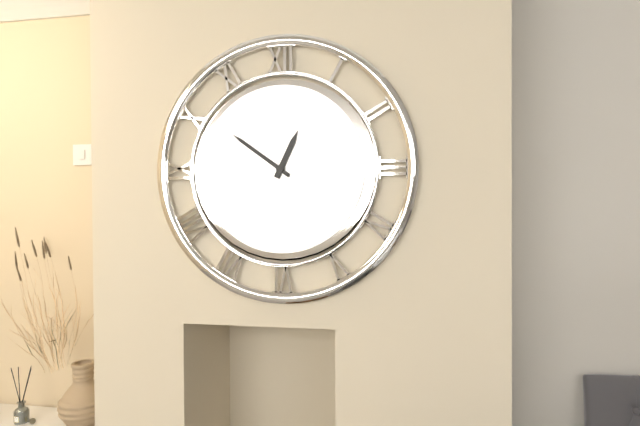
12:51
